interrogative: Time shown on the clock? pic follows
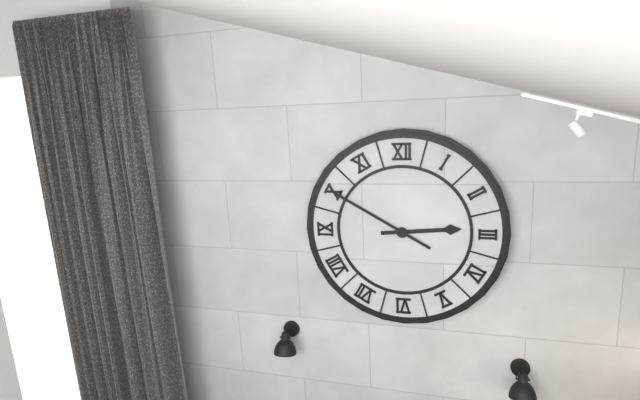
2:50
